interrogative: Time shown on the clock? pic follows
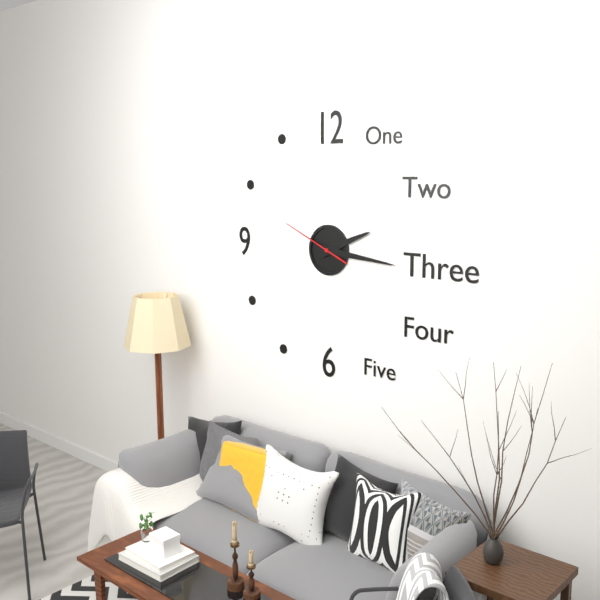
2:16:49
